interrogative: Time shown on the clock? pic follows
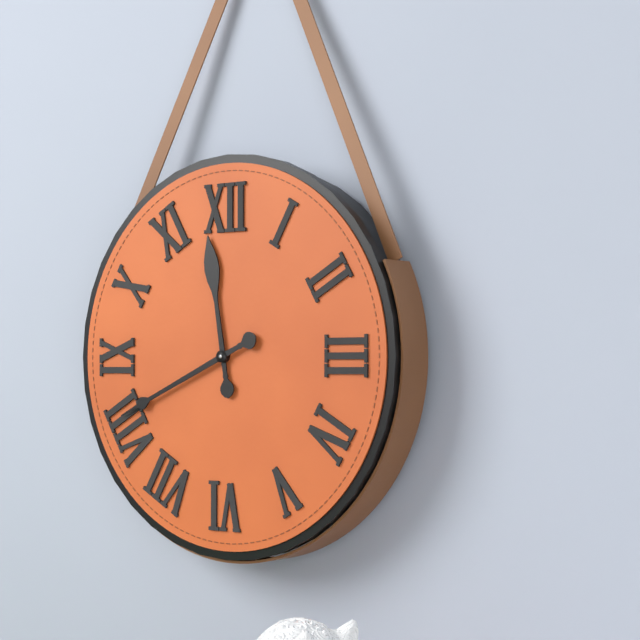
11:41
